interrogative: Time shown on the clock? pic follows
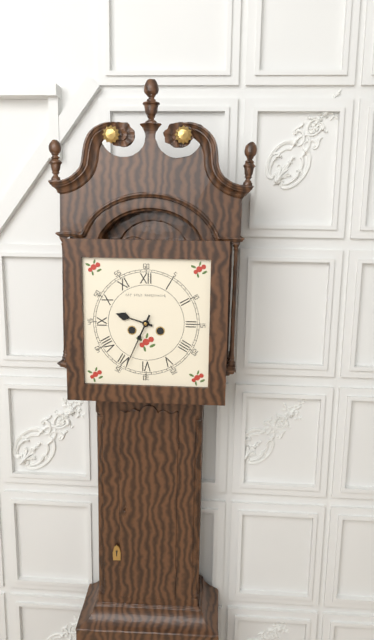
9:34
